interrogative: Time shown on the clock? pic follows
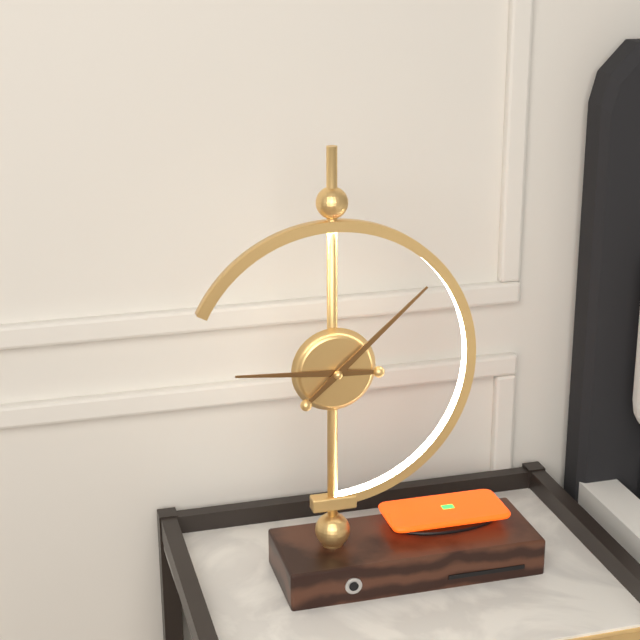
9:08
